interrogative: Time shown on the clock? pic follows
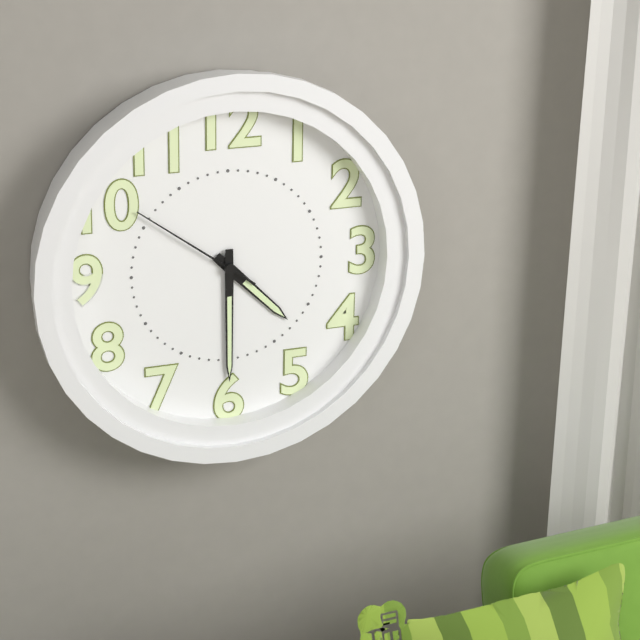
4:30:51
